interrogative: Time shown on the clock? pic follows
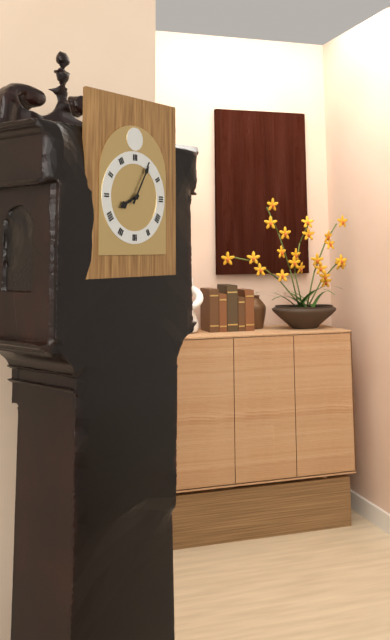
8:05
